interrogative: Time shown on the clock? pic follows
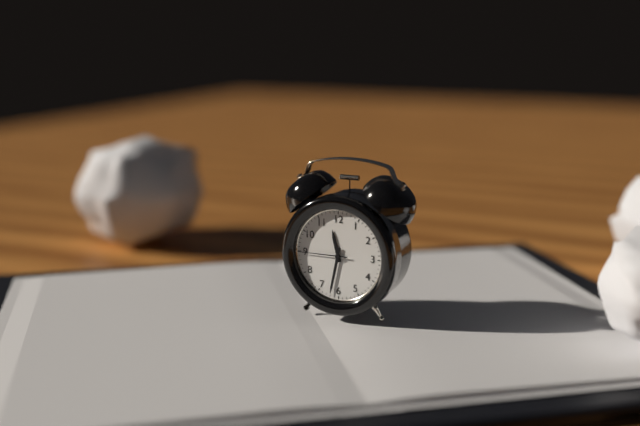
11:32:45
